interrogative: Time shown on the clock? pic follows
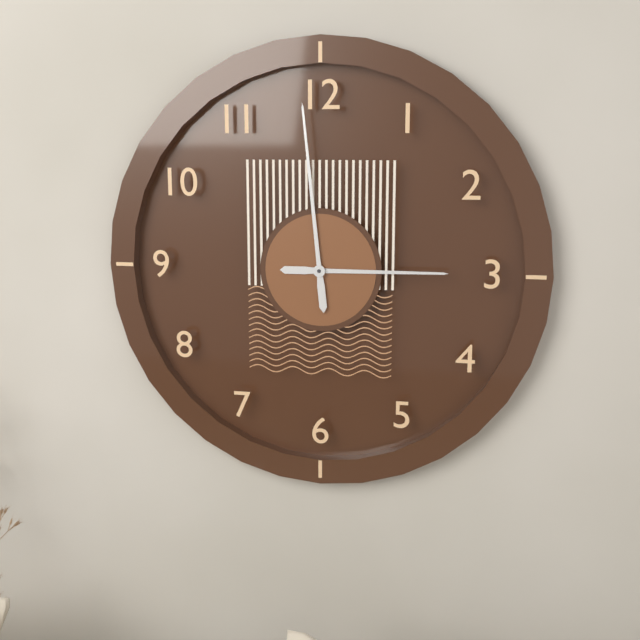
2:59
